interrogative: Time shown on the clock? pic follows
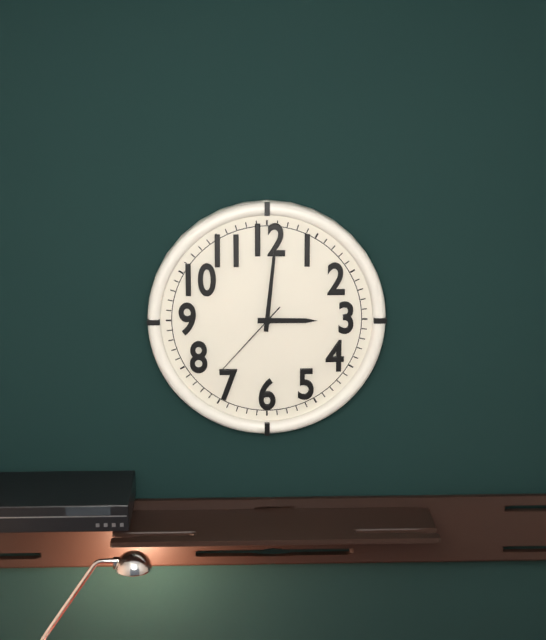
3:01:37
